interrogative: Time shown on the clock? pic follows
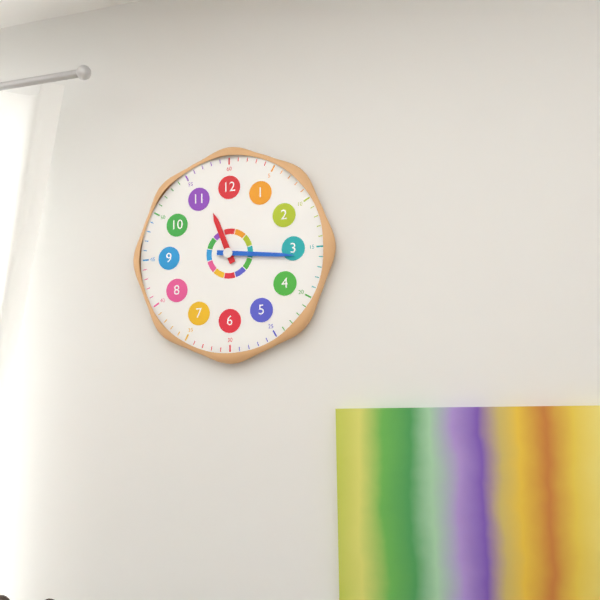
11:16
